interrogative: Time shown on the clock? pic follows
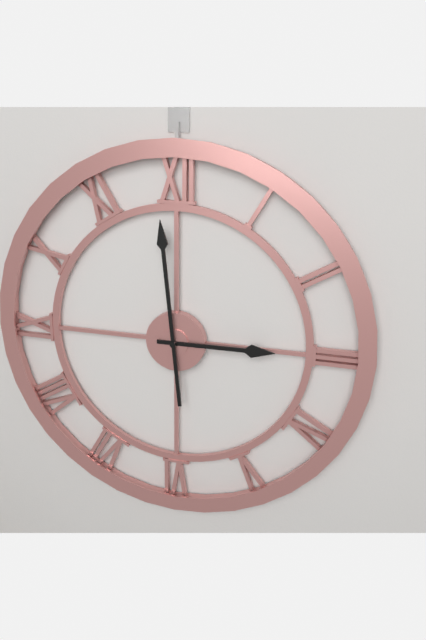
2:59
